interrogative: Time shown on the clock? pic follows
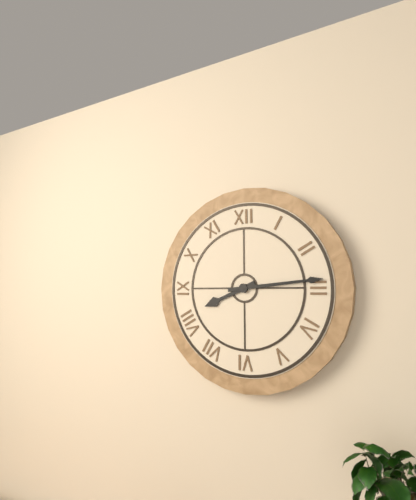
8:14
